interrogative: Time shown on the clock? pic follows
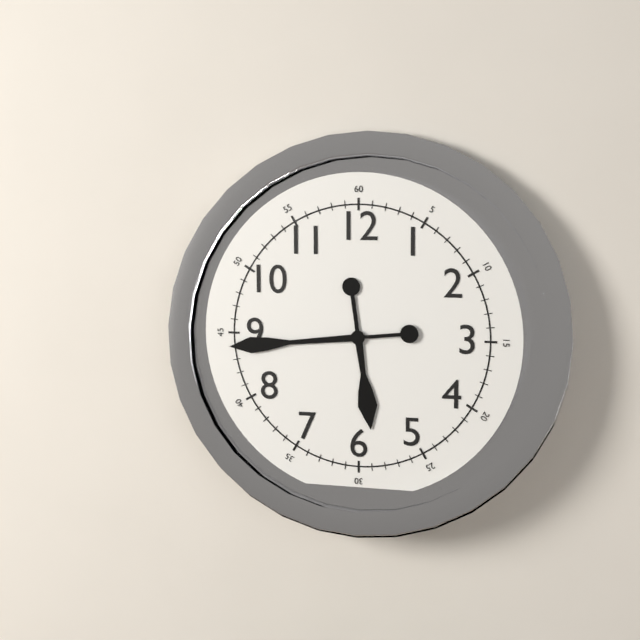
5:44
